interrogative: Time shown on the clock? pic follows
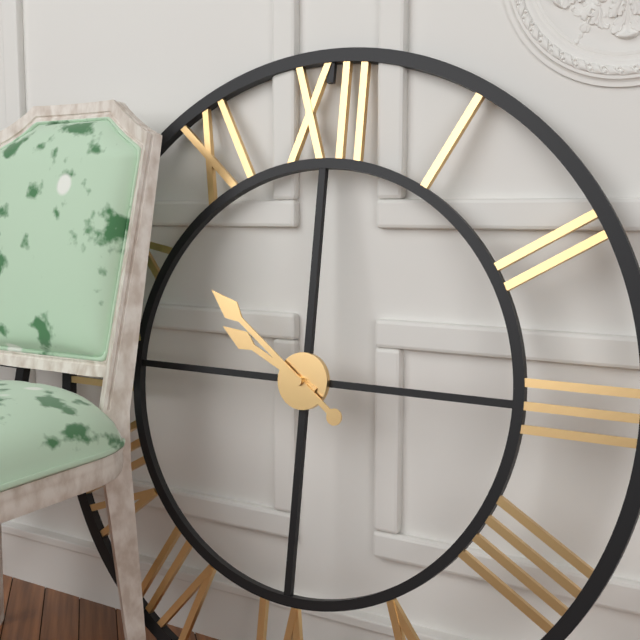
9:51
